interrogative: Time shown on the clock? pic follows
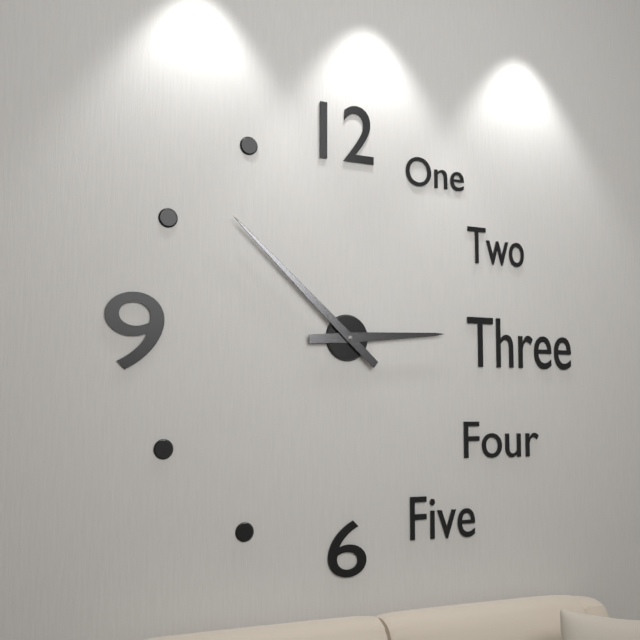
2:52
